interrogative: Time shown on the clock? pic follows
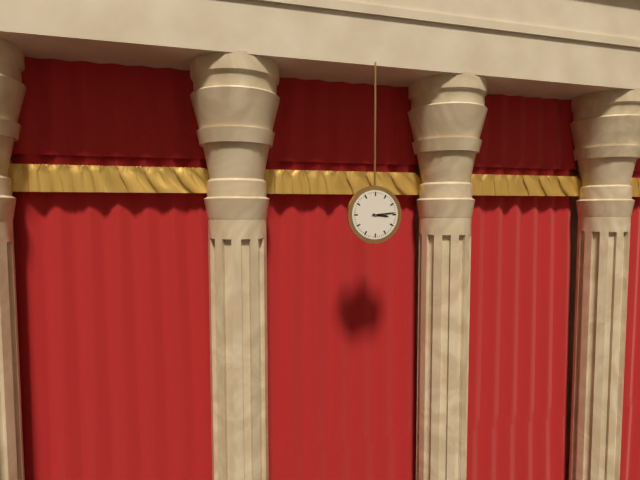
3:14
